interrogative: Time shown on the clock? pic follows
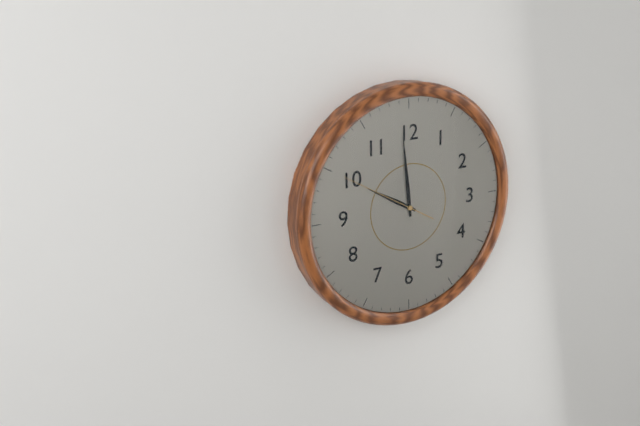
9:59:50
